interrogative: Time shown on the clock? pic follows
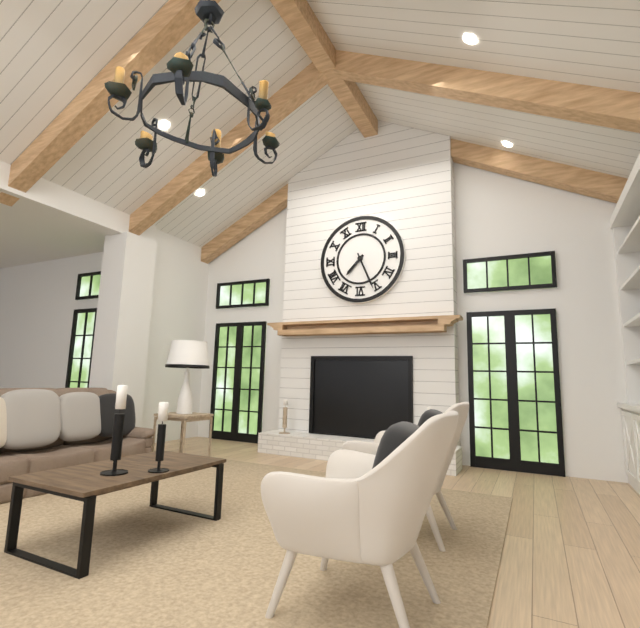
7:26
